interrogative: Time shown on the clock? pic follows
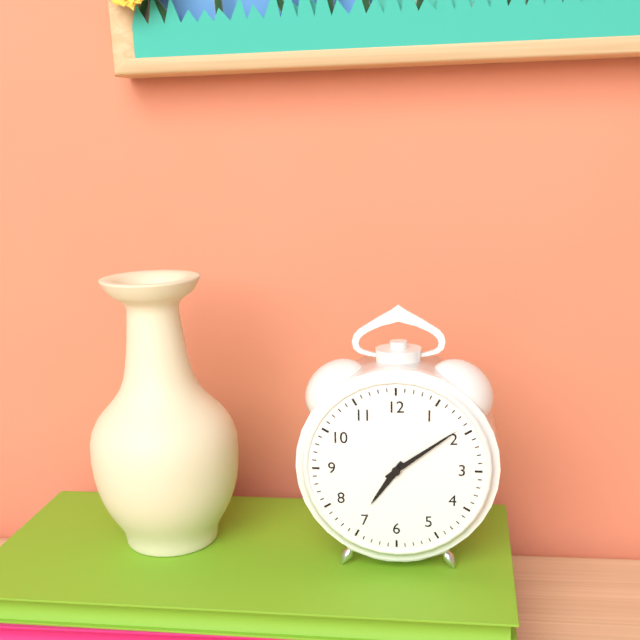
7:09
